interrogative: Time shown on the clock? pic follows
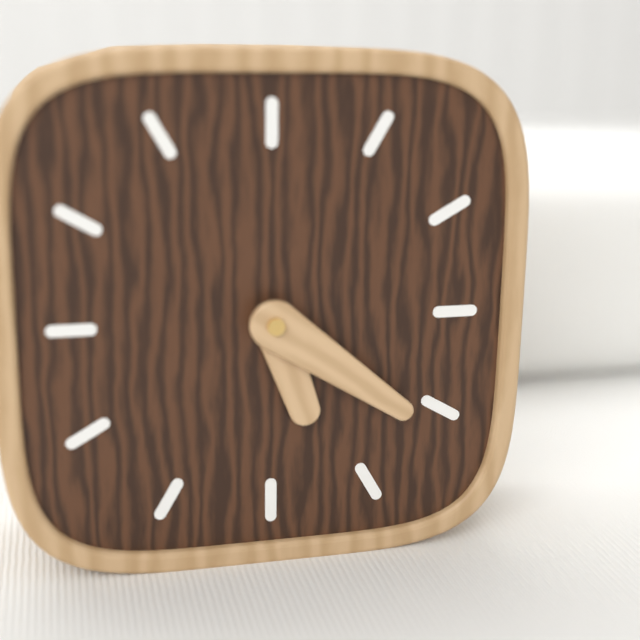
5:21
